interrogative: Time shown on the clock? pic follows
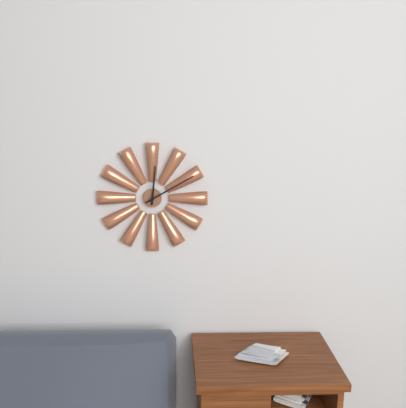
12:10
